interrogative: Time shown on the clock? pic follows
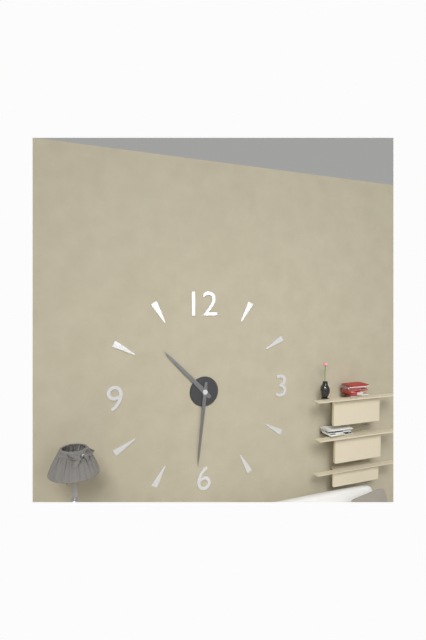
10:31
